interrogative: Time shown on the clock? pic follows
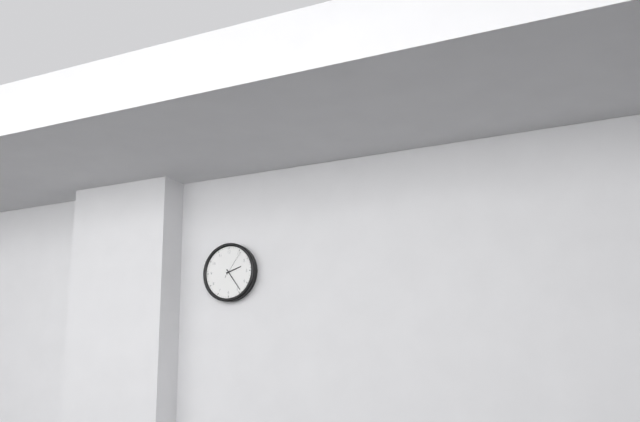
2:24
